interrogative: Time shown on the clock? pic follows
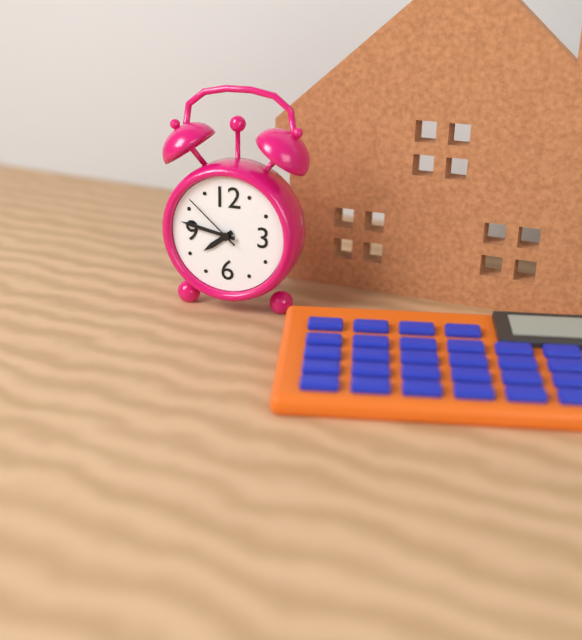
7:47:52
